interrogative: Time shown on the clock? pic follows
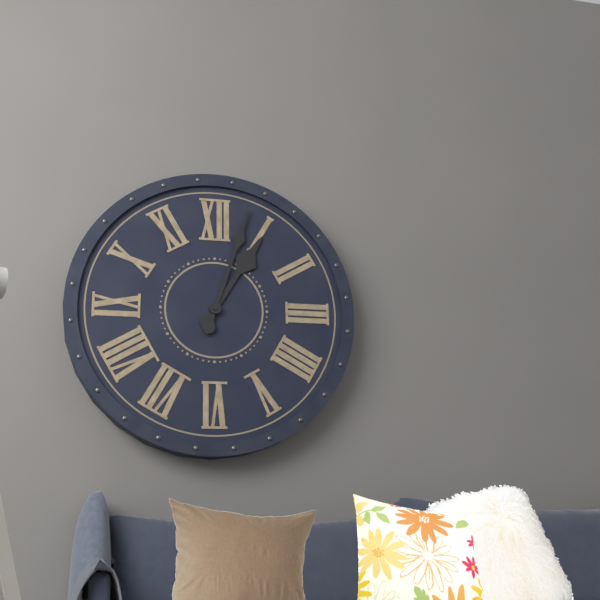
1:03
